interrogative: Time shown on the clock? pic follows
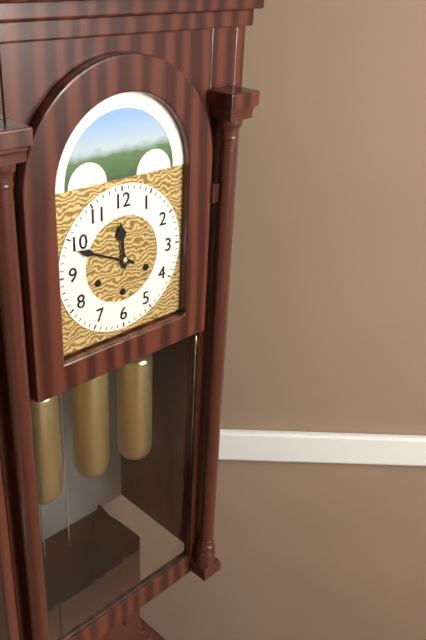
11:49
